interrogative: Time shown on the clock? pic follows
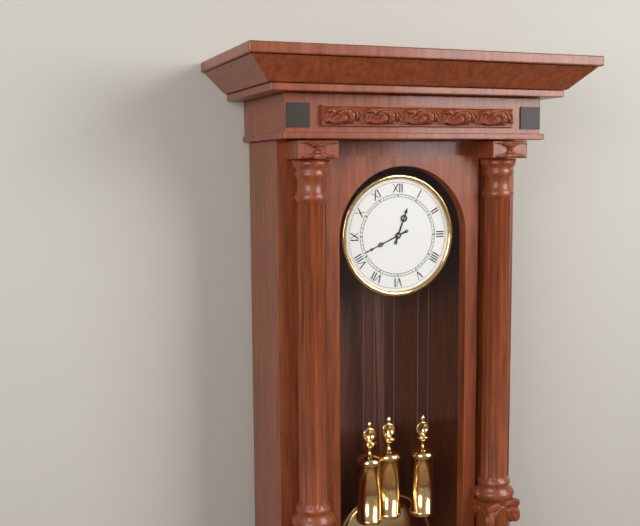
12:41
